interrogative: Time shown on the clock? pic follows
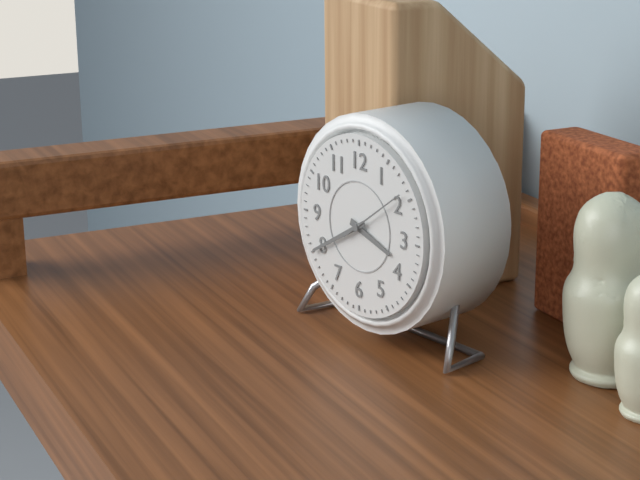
3:40:09
